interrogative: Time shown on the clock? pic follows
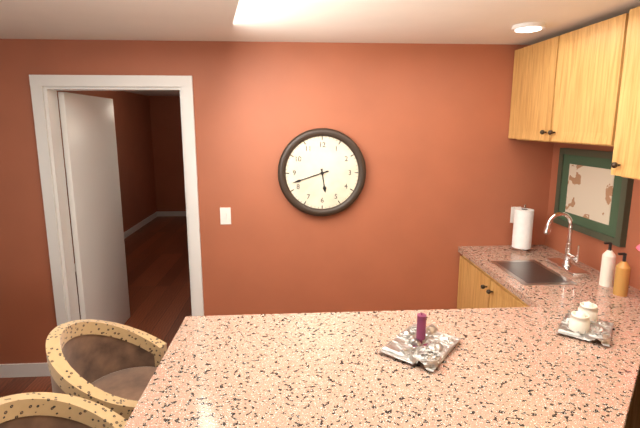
5:42
